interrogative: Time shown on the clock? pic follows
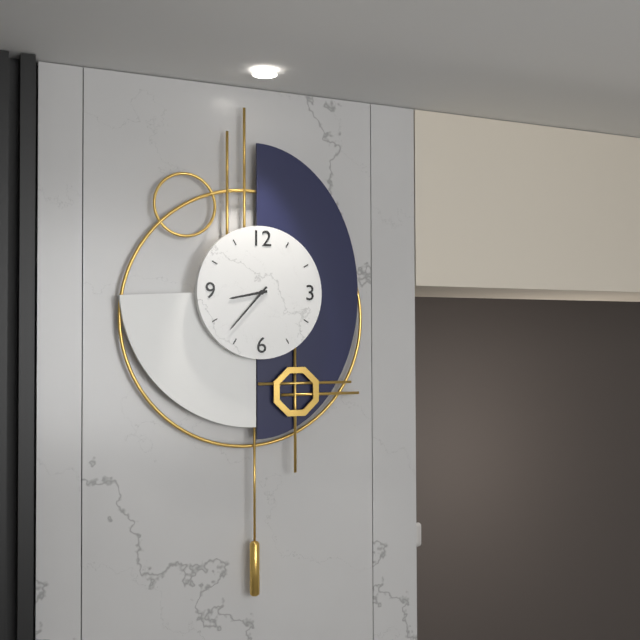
8:37
